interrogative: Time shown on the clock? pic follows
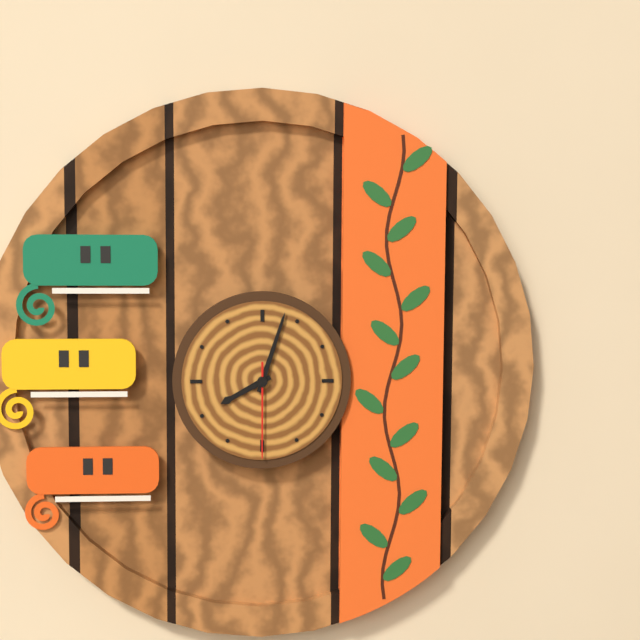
8:03:30
